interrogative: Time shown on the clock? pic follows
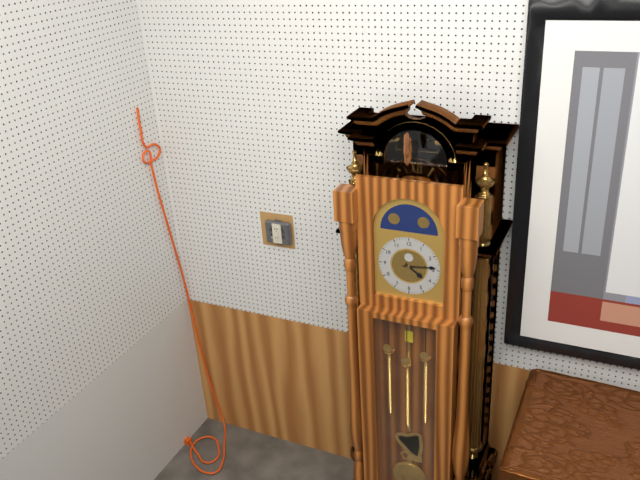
4:14
